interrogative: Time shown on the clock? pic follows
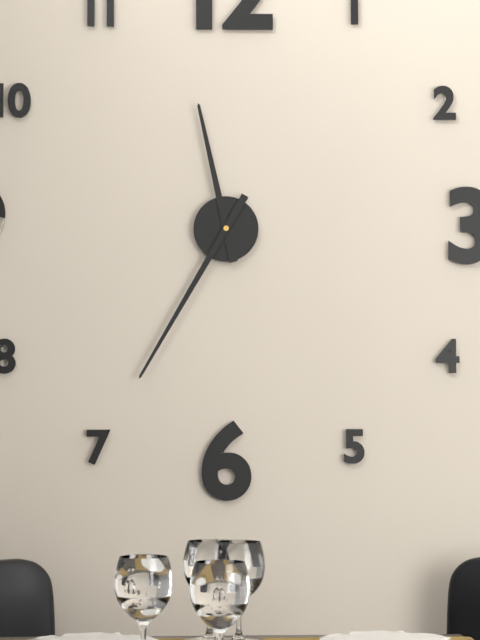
11:35
